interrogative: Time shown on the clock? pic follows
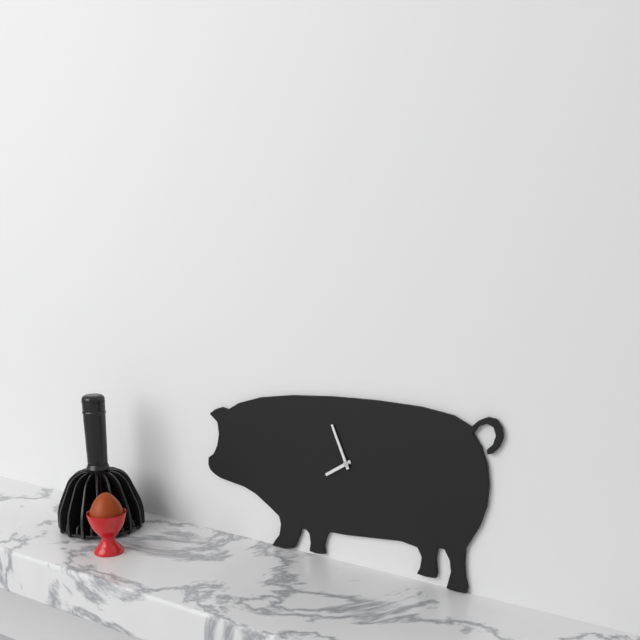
7:56
